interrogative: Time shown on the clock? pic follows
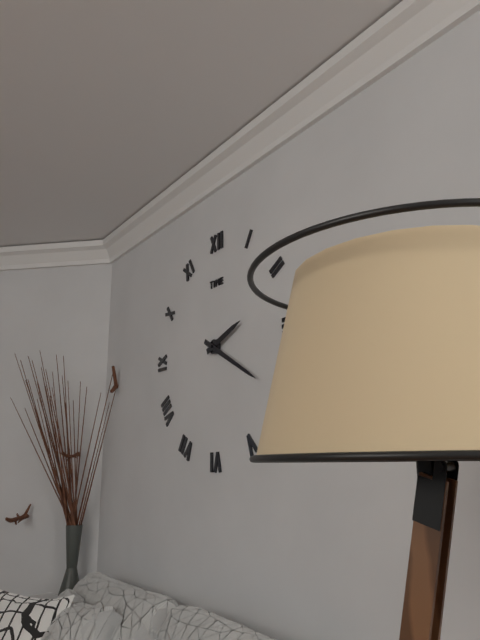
2:20
